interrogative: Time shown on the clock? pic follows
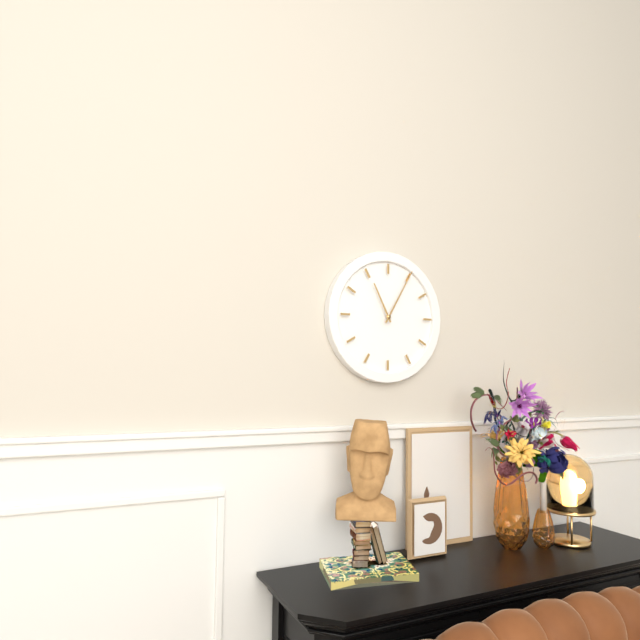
11:05
